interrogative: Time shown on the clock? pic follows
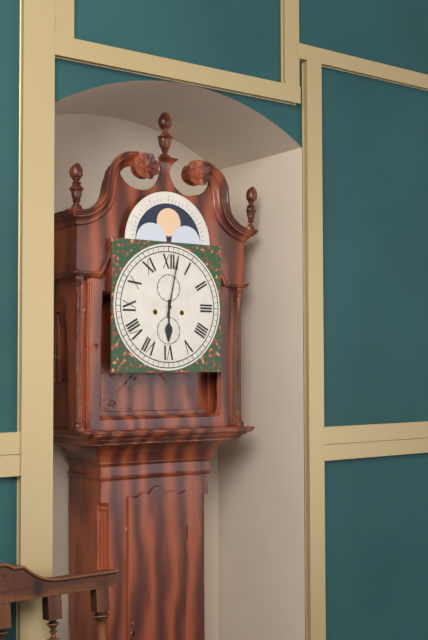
6:02
